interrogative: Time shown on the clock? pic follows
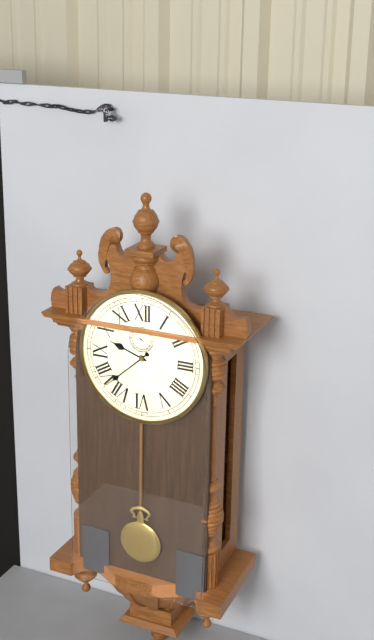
9:38
